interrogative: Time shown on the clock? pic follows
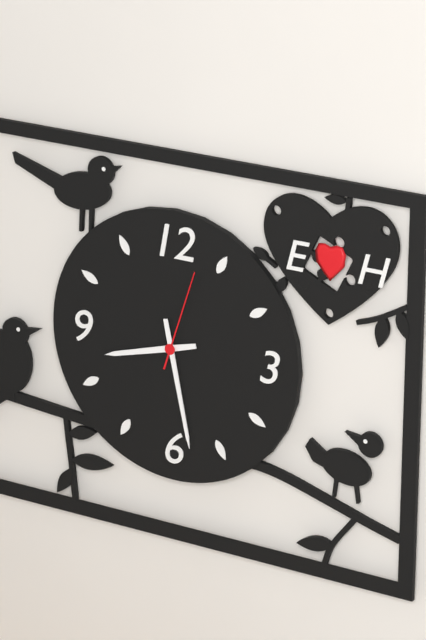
8:28:03
